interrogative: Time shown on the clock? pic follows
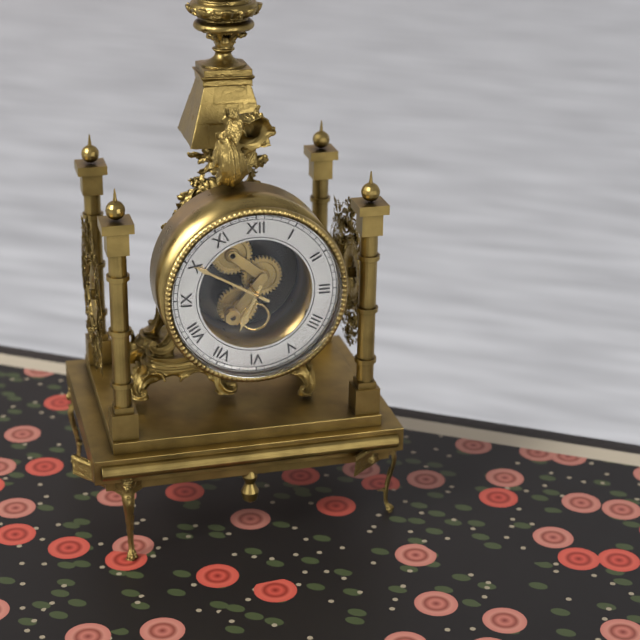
6:50
